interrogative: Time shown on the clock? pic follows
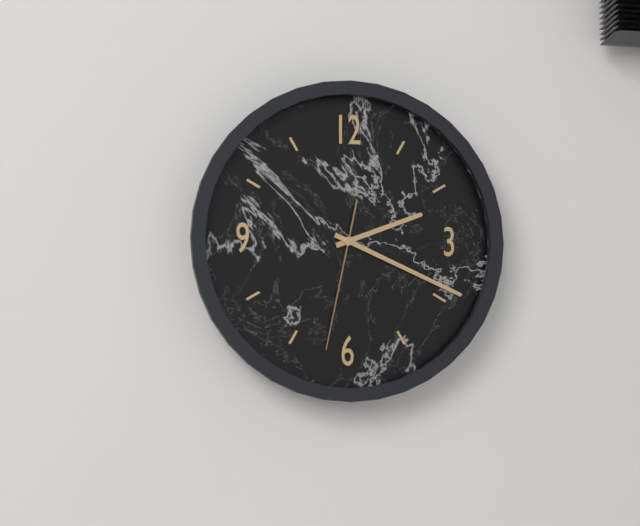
2:19:32
